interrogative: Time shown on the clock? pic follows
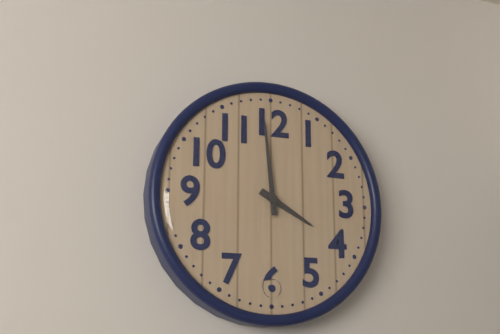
3:59
